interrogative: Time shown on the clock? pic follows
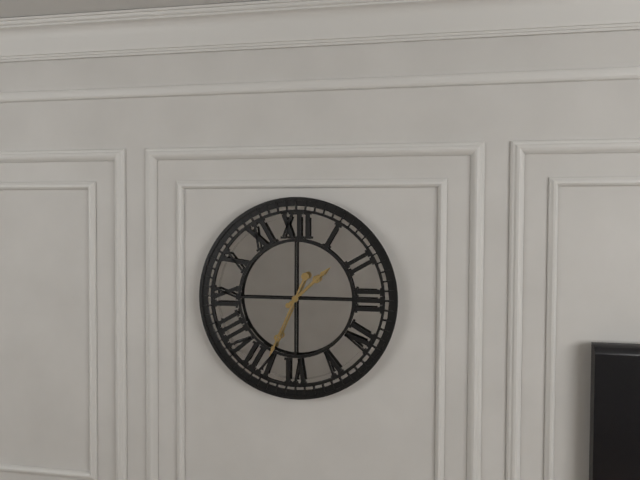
1:34
